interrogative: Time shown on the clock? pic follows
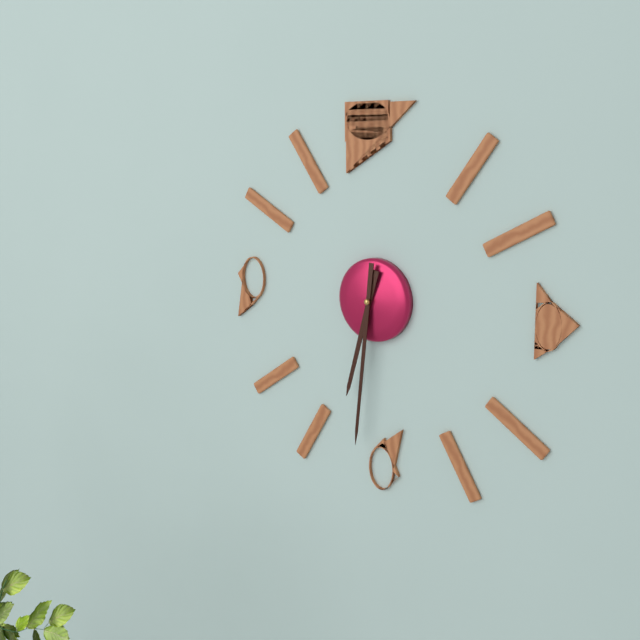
6:31
